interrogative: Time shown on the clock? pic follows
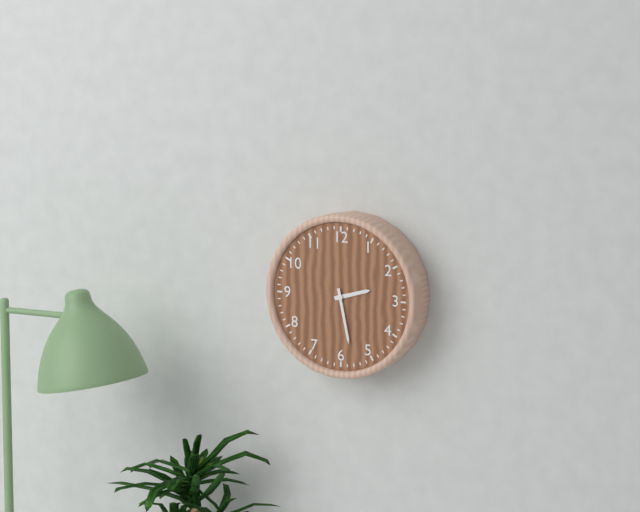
2:28
